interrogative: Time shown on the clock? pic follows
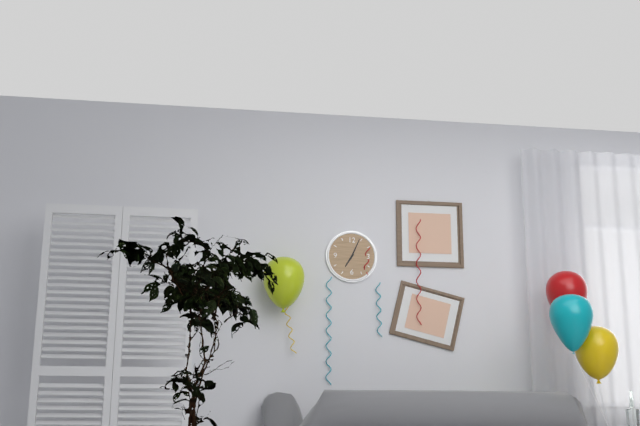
7:04
